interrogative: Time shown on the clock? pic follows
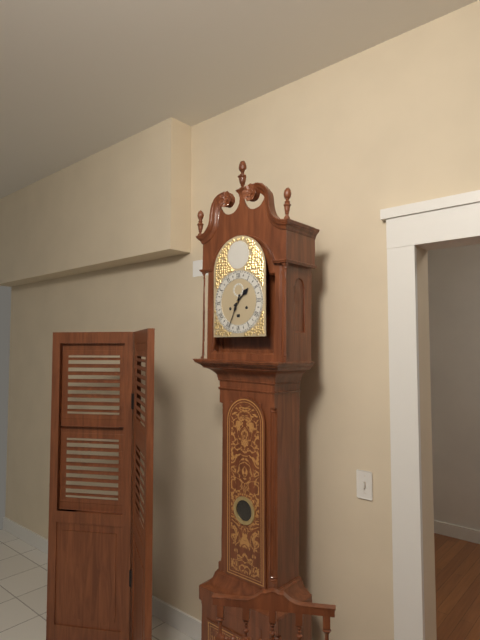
1:34
